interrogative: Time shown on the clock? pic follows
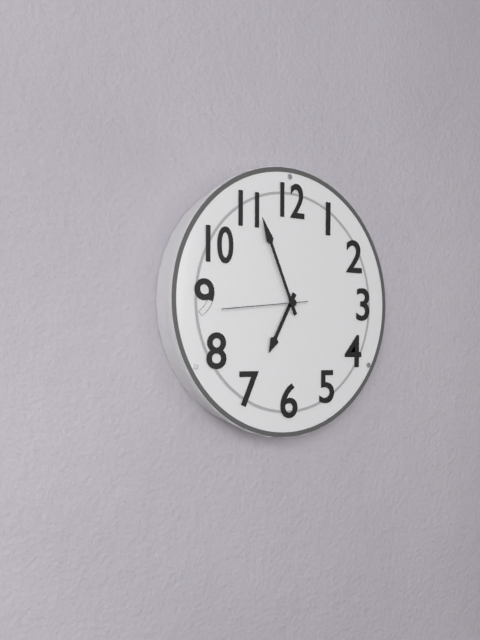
6:56:44
